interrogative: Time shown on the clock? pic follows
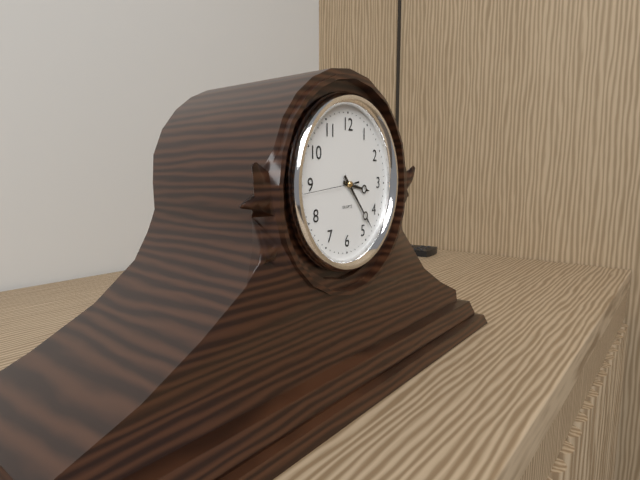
3:23:44
